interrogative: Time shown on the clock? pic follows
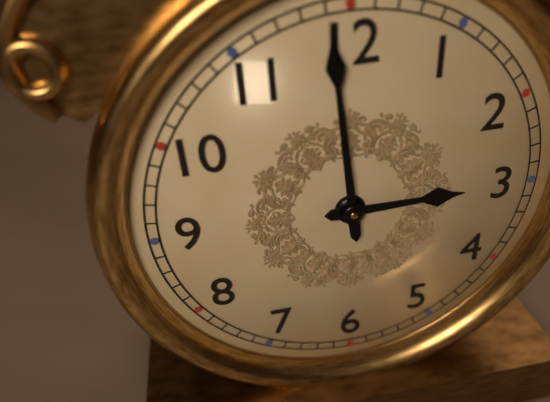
2:59
